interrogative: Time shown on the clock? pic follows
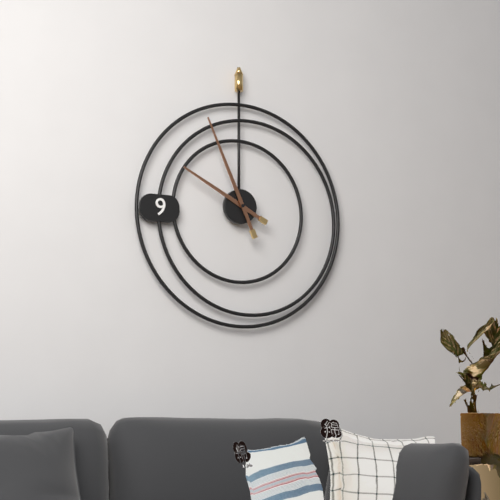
9:56
